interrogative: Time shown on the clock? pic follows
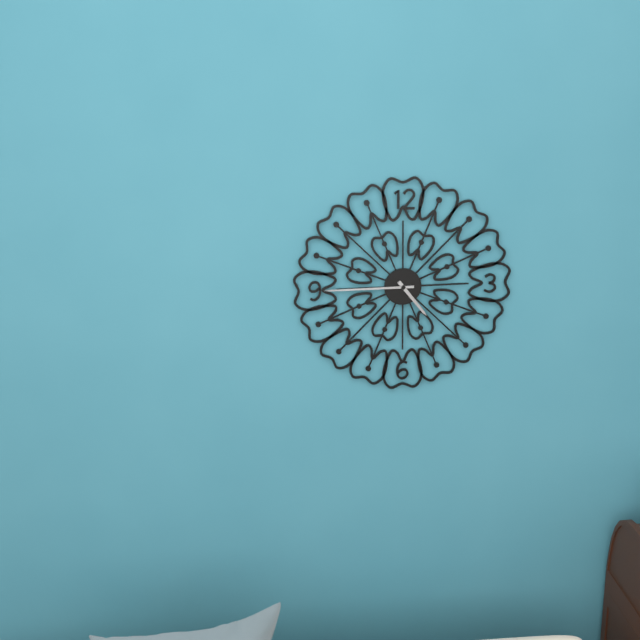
4:45
